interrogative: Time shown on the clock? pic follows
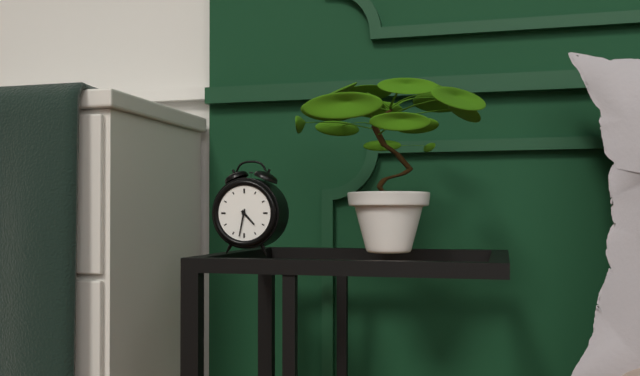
4:32
